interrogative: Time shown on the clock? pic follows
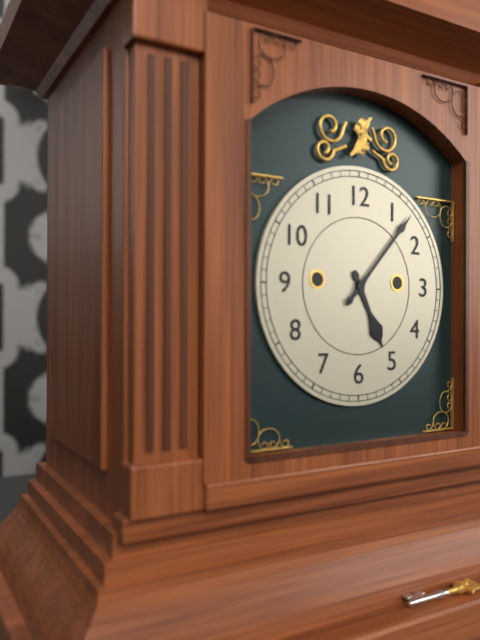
5:07
